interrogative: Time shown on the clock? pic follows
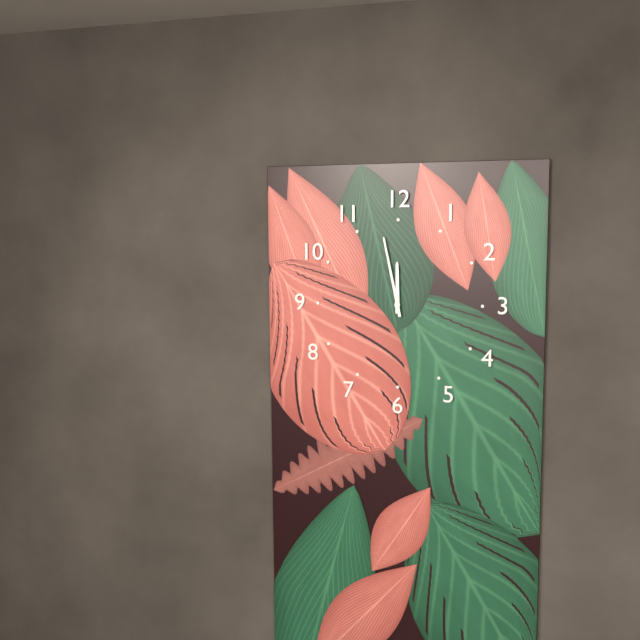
11:58
